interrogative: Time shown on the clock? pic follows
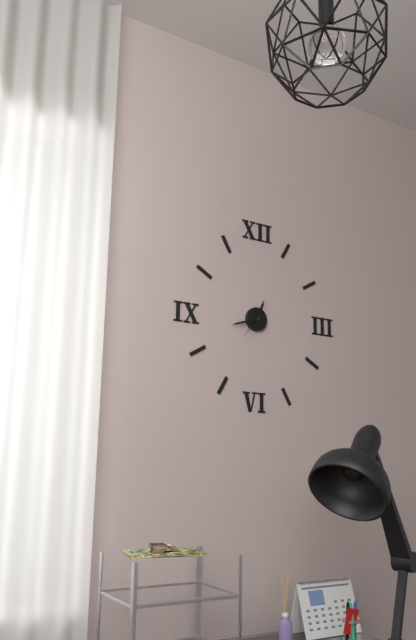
12:42
